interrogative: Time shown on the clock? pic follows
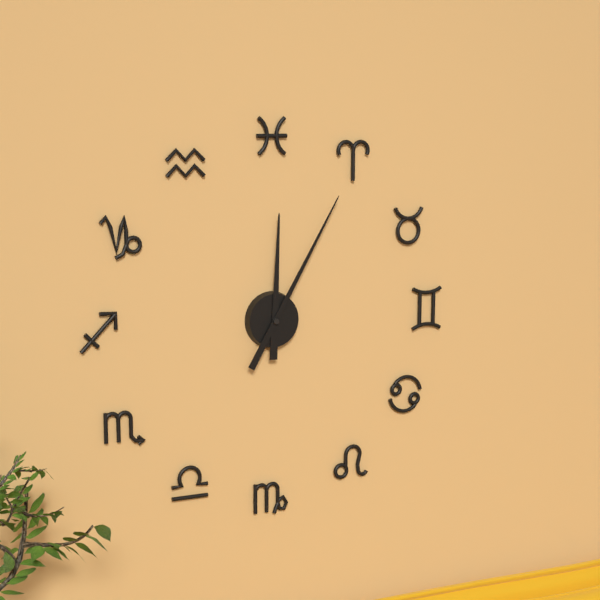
12:05
